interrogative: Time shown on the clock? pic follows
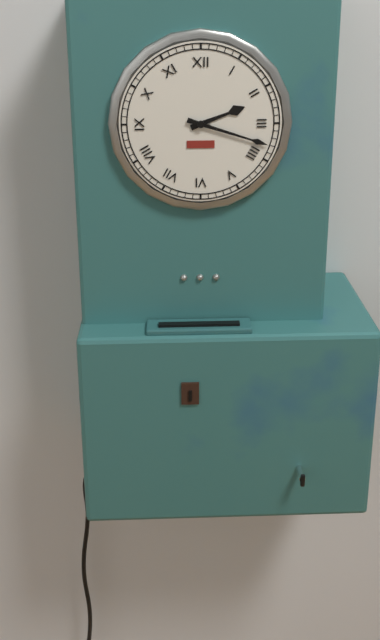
2:18
